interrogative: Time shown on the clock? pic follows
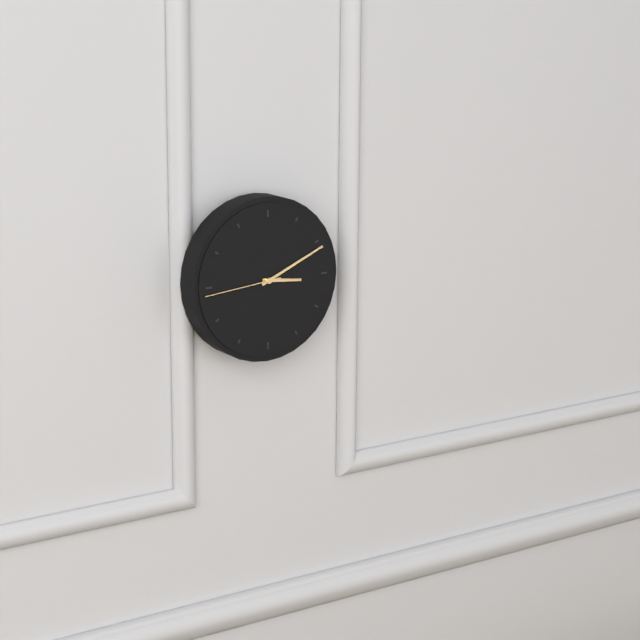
3:11:44
